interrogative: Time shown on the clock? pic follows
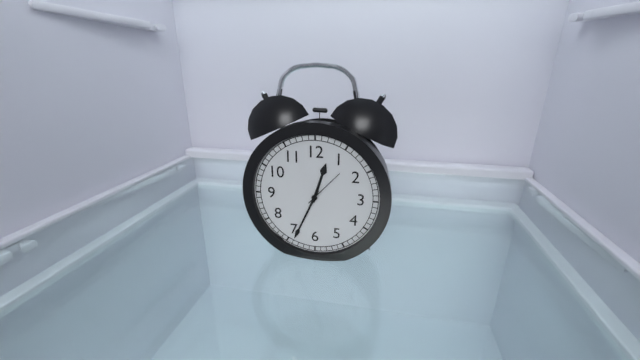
12:34
